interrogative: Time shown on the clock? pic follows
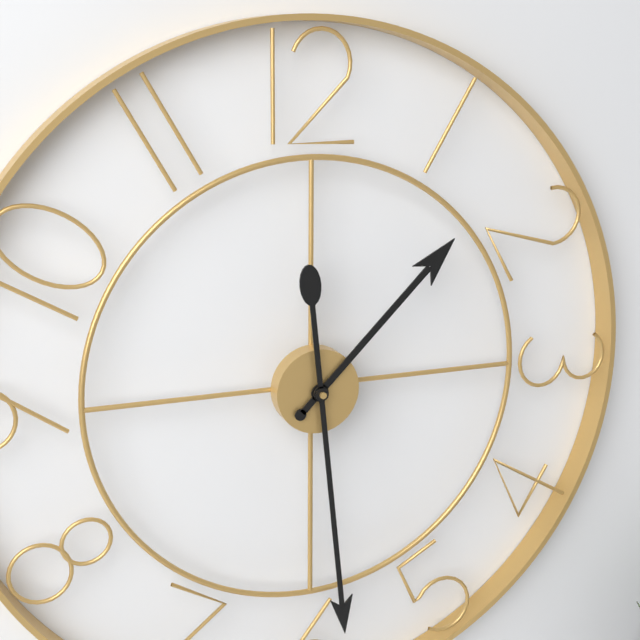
1:29
